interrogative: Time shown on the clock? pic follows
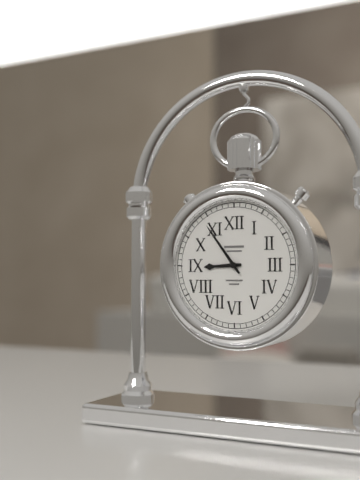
8:54
